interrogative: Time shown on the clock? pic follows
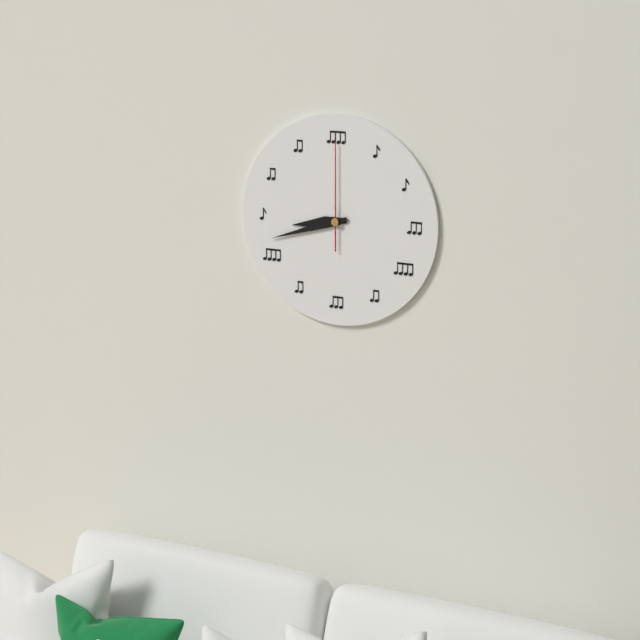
8:42:00
